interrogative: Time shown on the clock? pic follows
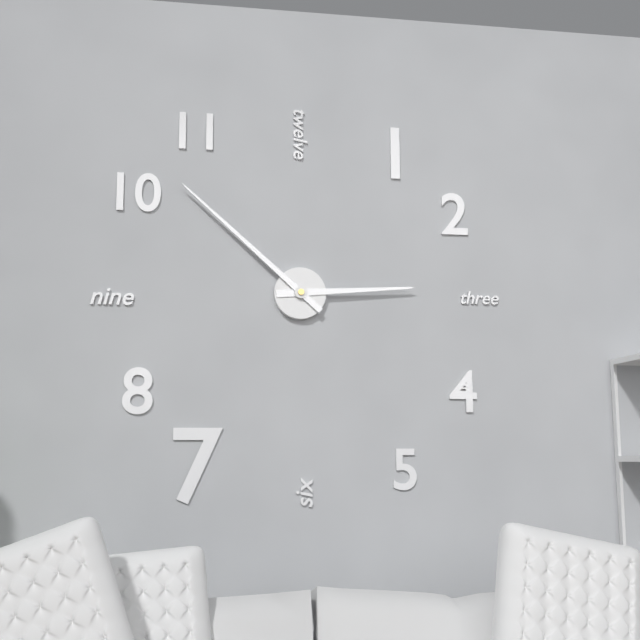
2:52
